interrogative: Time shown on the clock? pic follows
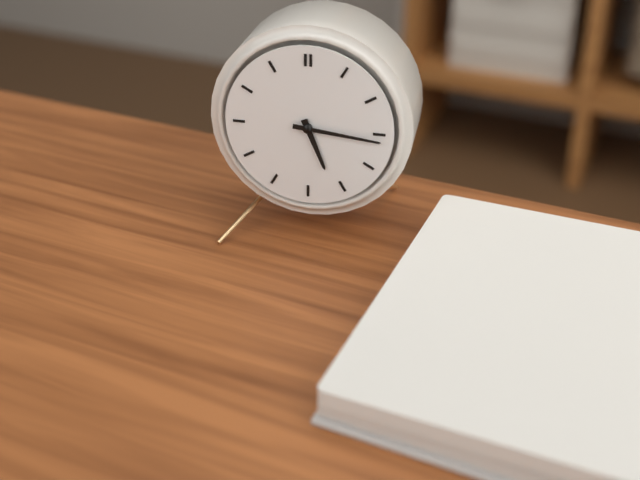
5:16
